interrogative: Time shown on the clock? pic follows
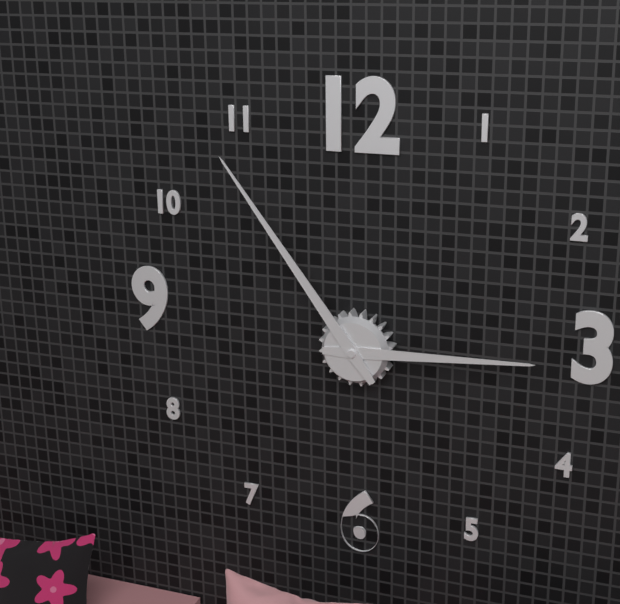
2:54
